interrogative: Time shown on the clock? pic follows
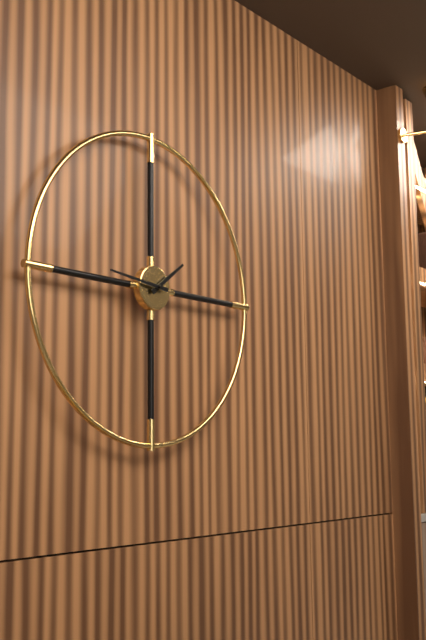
1:46
